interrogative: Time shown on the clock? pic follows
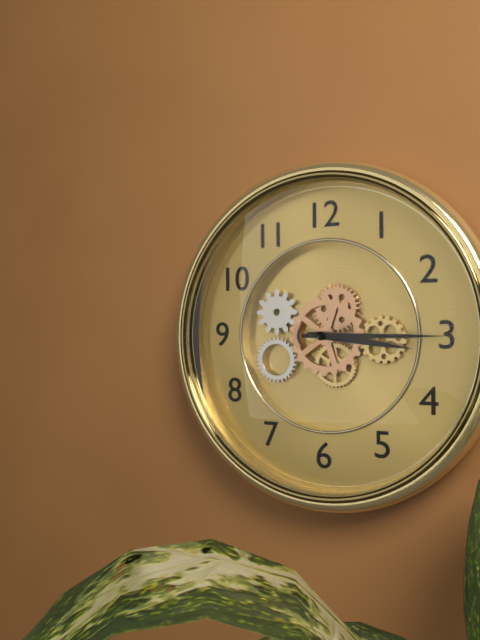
3:15
